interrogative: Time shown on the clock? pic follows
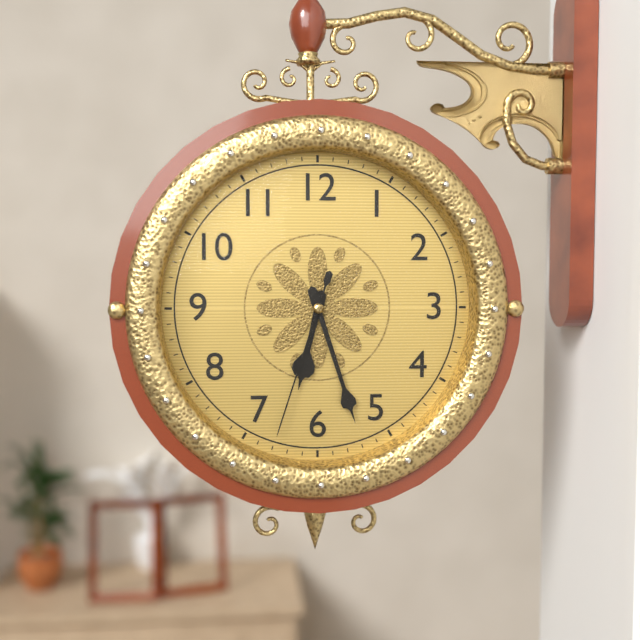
6:27:33
